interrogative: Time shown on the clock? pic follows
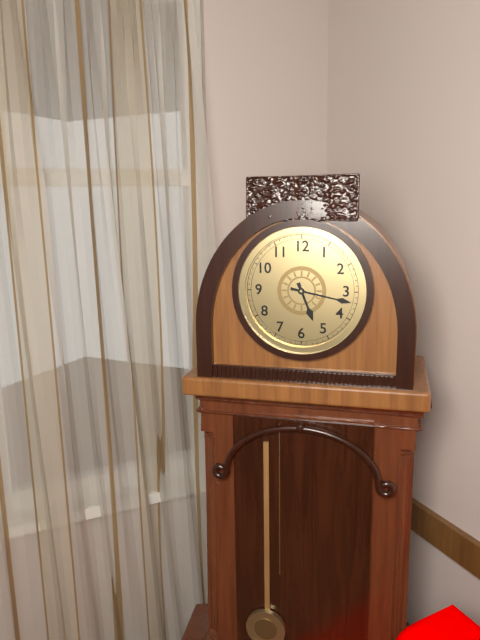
5:17
